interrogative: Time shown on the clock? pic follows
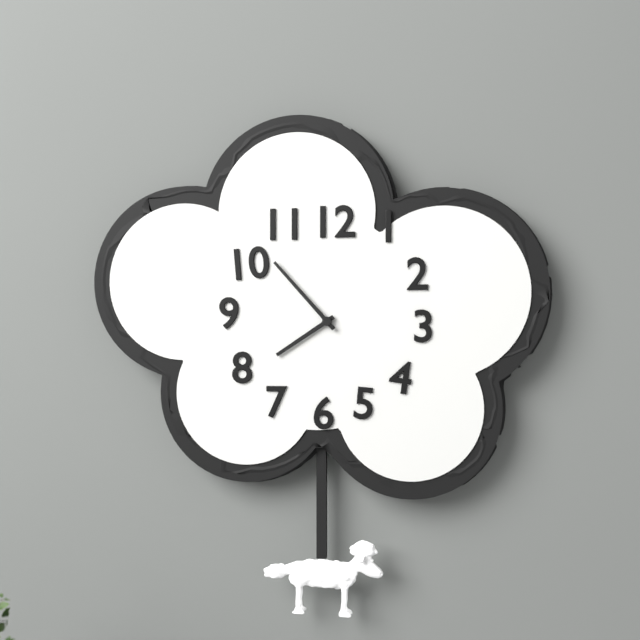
7:53
